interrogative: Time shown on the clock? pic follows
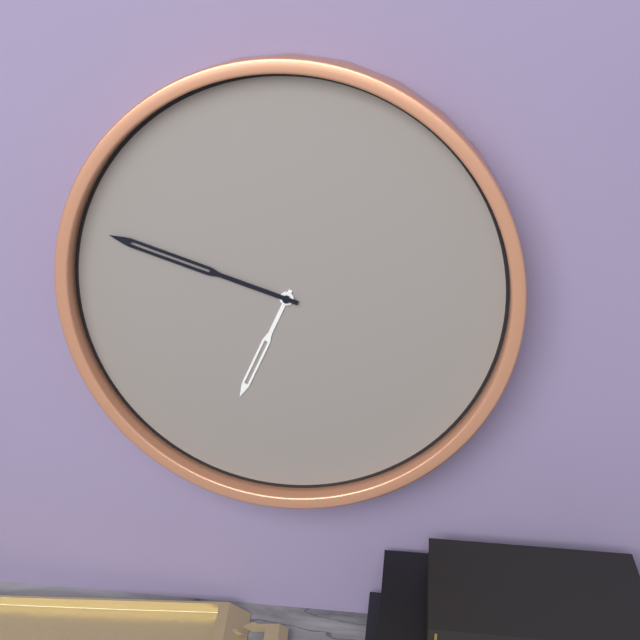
6:48
